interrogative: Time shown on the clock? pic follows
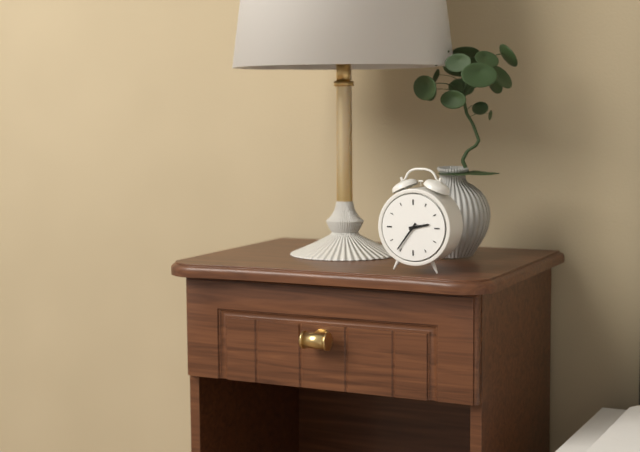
2:36
